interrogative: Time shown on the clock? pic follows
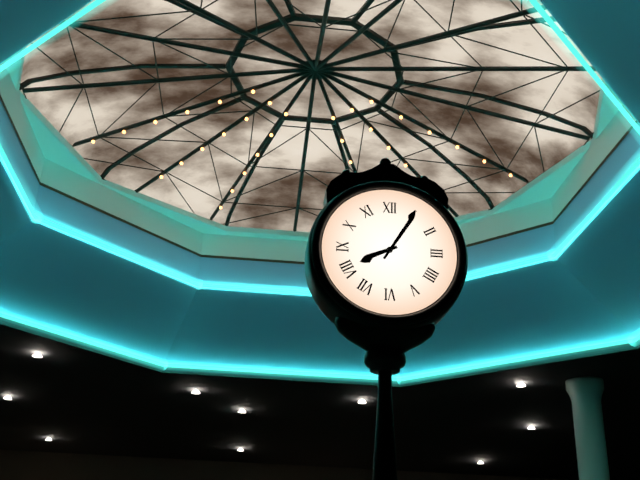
8:05
